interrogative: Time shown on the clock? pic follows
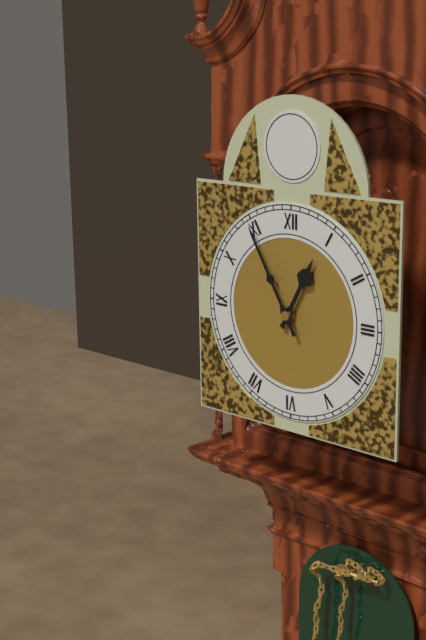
12:55
